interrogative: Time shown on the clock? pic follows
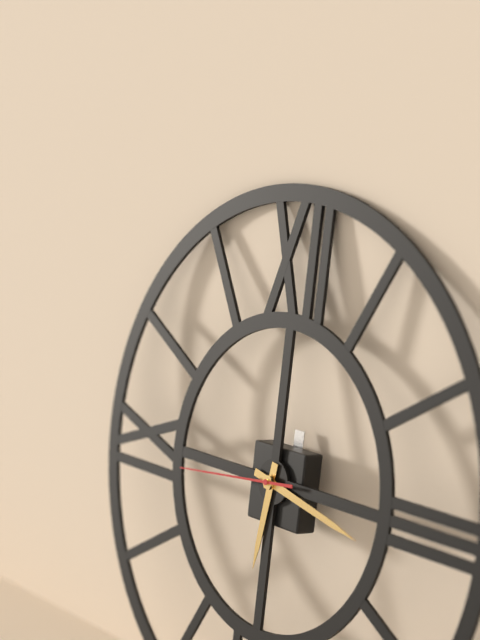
6:17:44
